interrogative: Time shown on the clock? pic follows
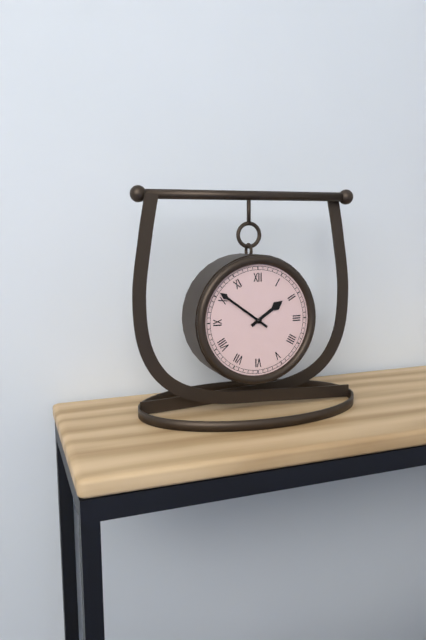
1:51
